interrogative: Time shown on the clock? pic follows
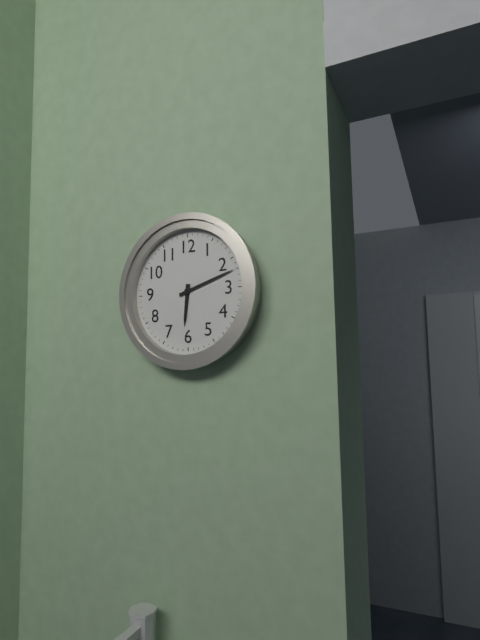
6:12
